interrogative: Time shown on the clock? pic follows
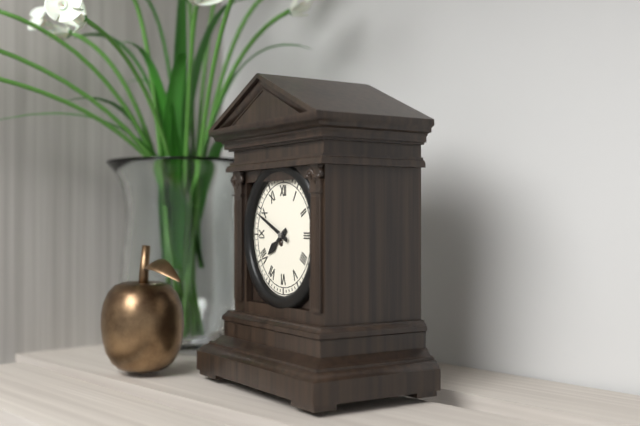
7:49
